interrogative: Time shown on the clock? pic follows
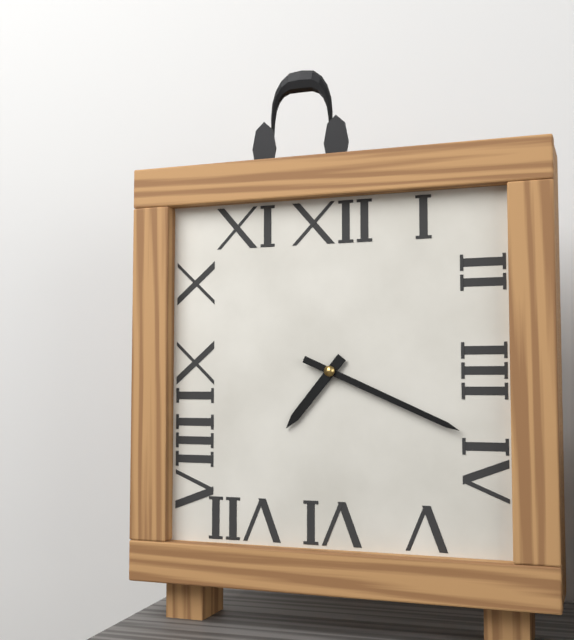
7:19
